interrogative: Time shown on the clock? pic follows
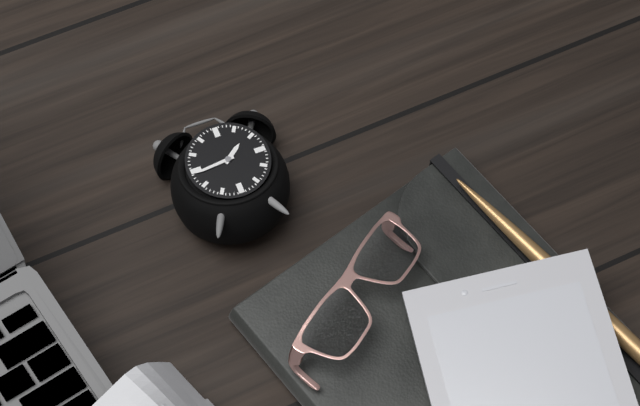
1:44
